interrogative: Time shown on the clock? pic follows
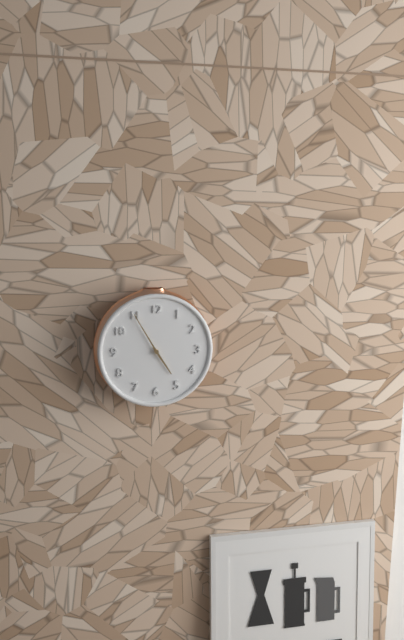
4:55
